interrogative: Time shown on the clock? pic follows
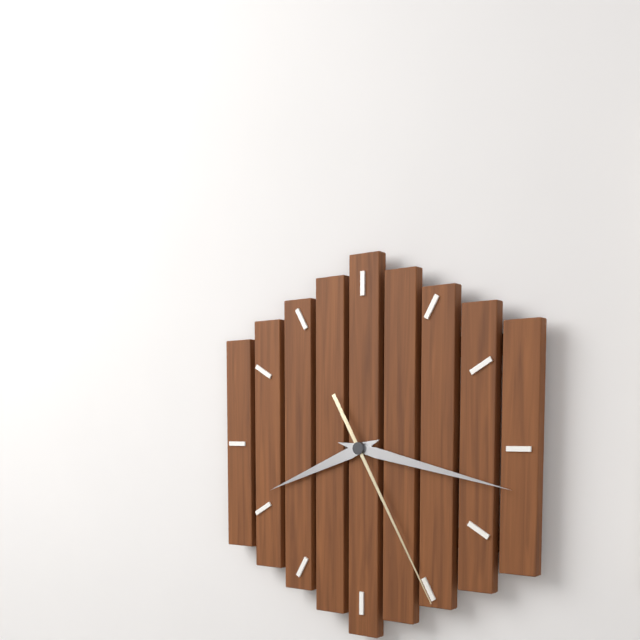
8:17:25
